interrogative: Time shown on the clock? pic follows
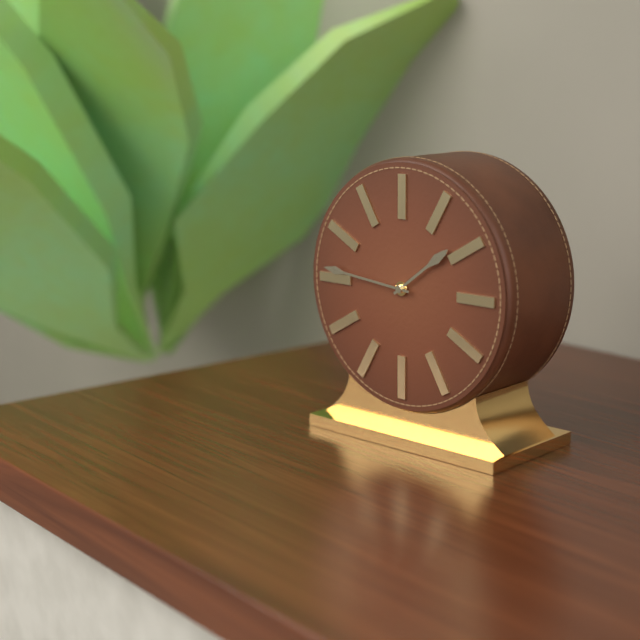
1:46
